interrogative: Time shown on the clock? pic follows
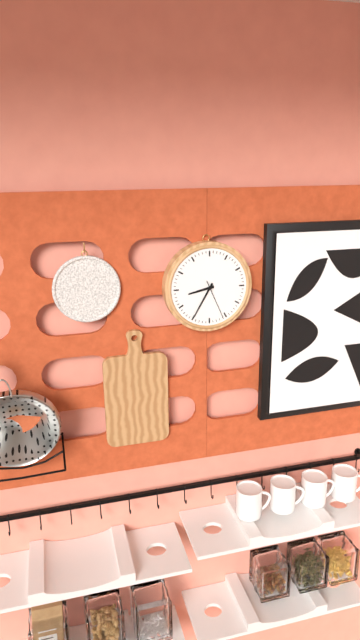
8:35
